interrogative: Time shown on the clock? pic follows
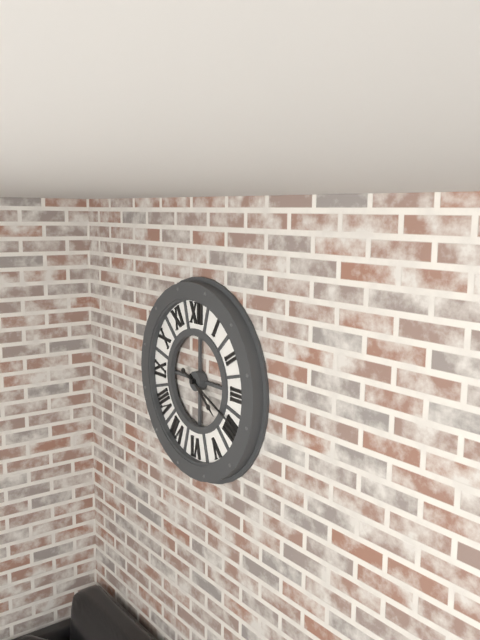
4:19
